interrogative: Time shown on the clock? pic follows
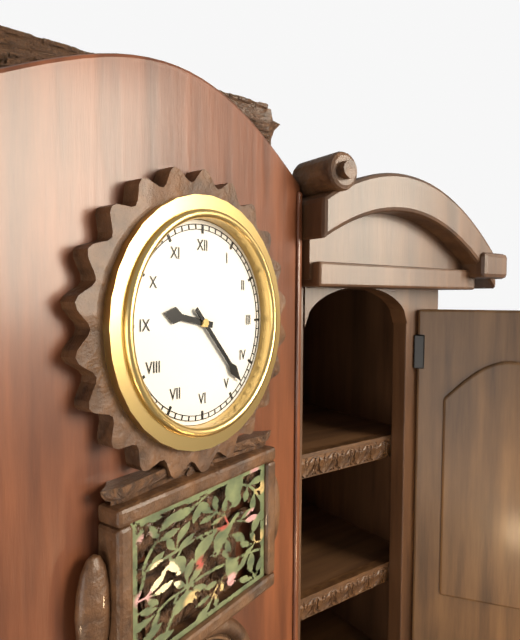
9:23
